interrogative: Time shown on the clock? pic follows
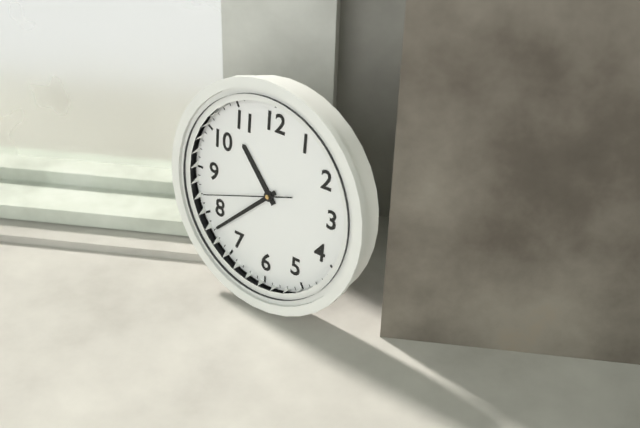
10:38:42
